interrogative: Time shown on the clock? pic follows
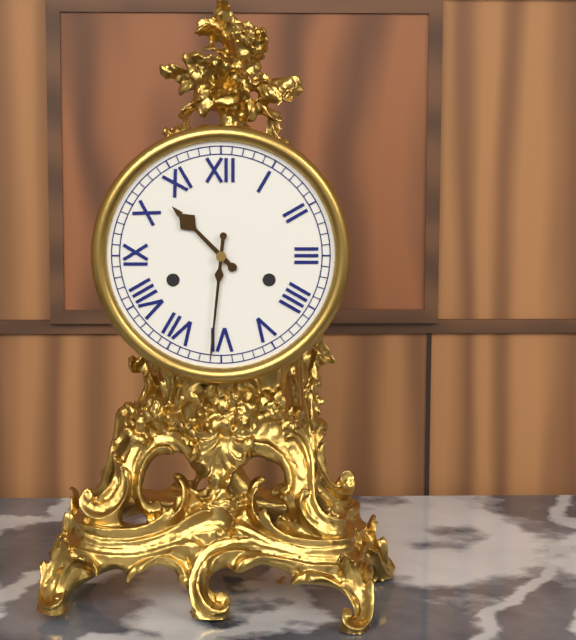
10:31
